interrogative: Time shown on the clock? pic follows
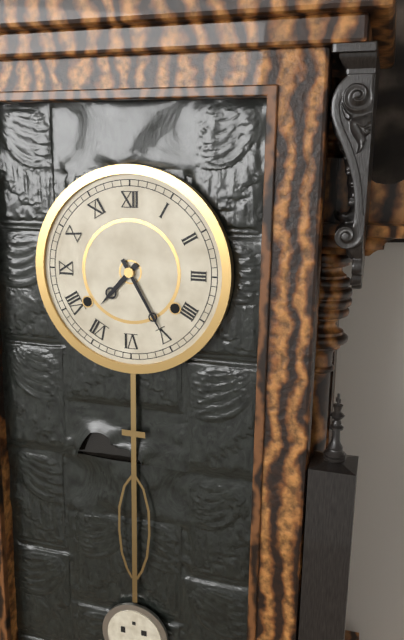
7:25
